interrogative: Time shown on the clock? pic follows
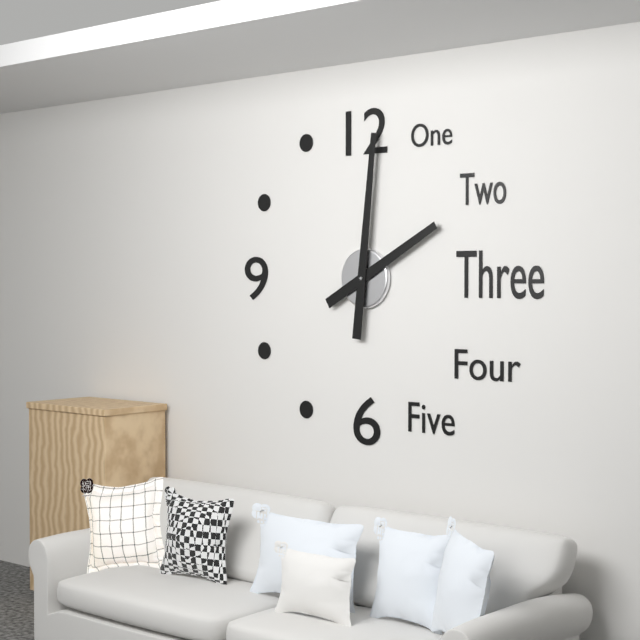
2:01
